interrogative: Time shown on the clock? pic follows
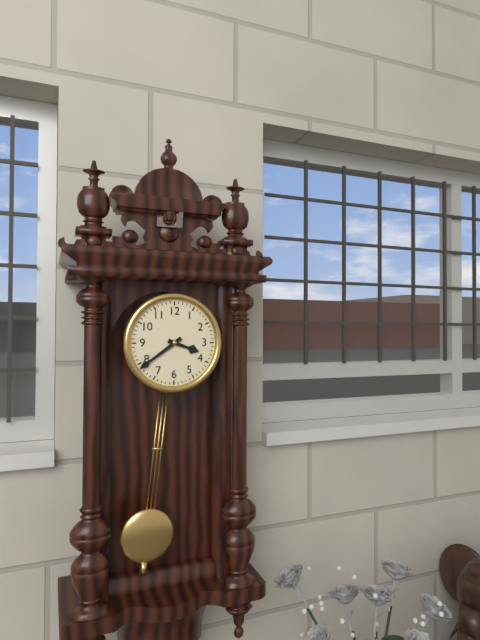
3:39
